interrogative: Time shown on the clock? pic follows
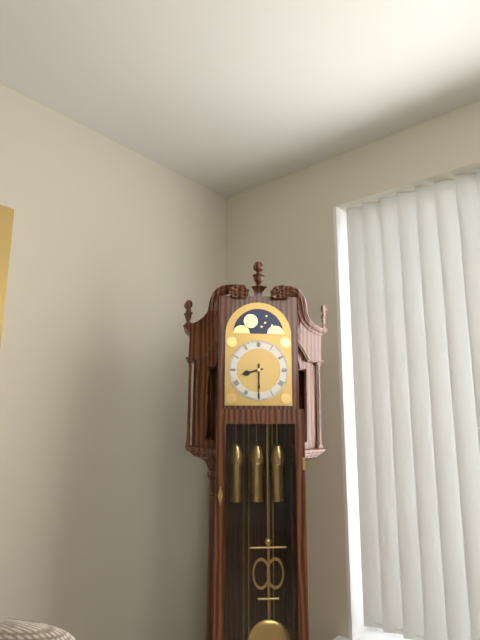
8:30
